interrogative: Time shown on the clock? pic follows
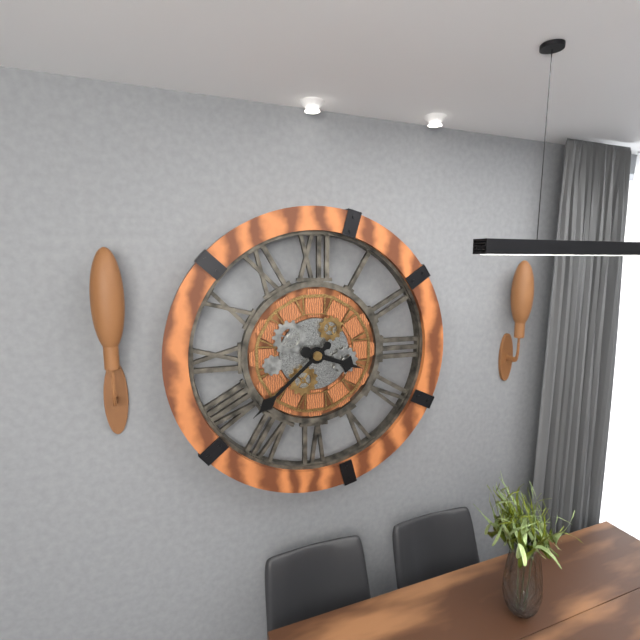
3:38
